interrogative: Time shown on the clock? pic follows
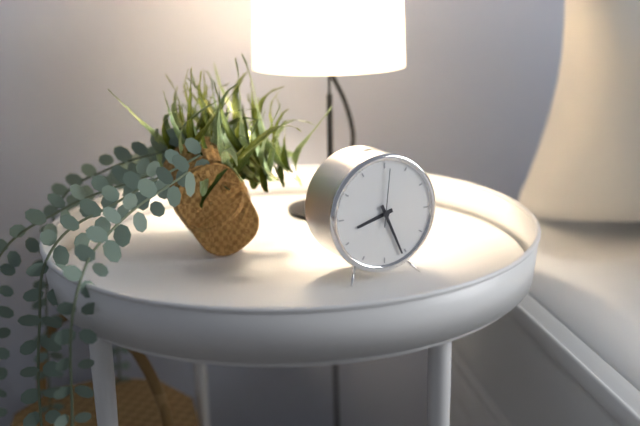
8:26:01
